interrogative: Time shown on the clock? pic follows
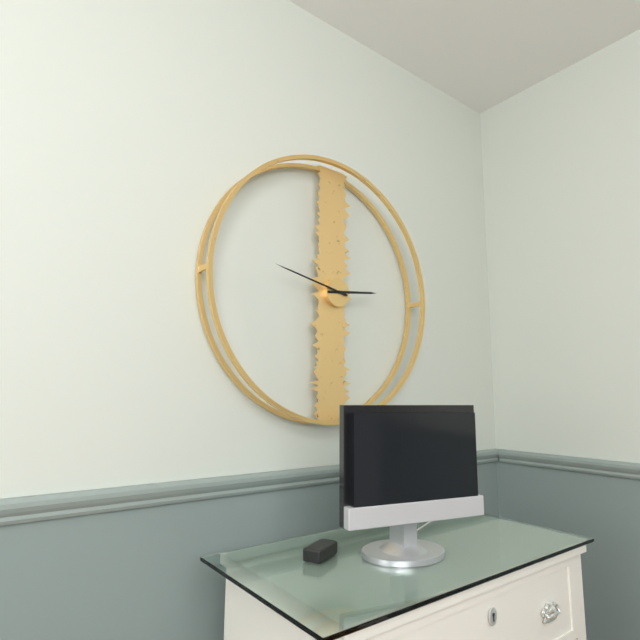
2:47
